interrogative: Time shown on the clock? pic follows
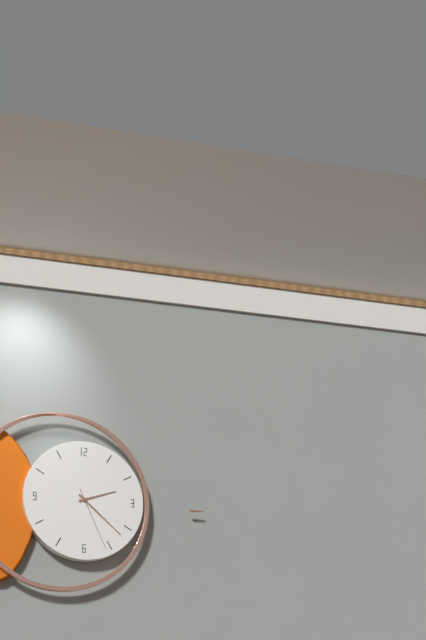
2:22:26
